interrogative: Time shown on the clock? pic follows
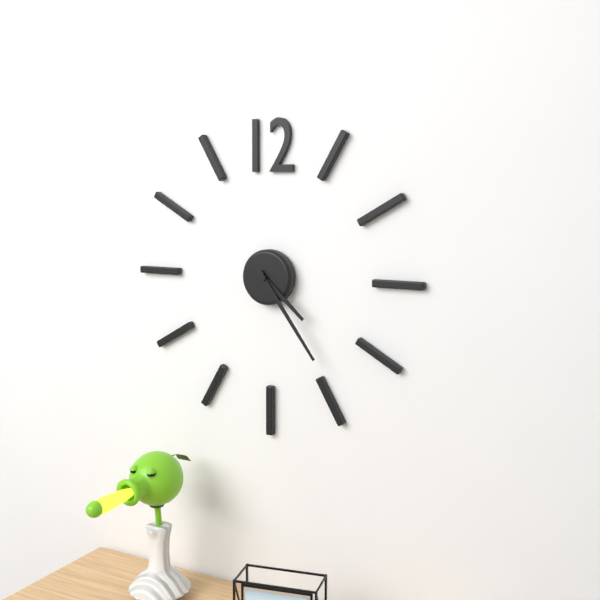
4:24
